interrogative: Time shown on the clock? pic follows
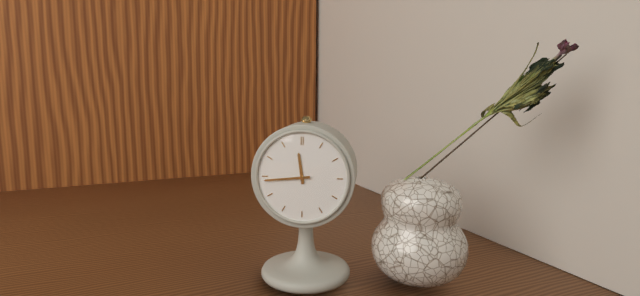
11:44
